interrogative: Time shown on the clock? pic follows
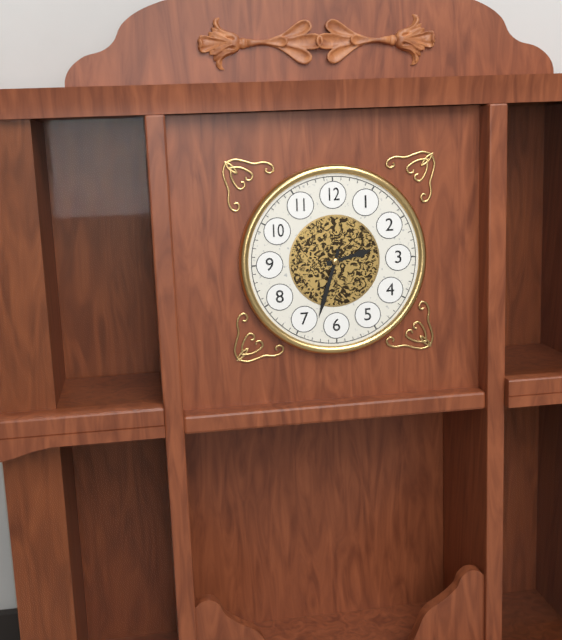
2:33
